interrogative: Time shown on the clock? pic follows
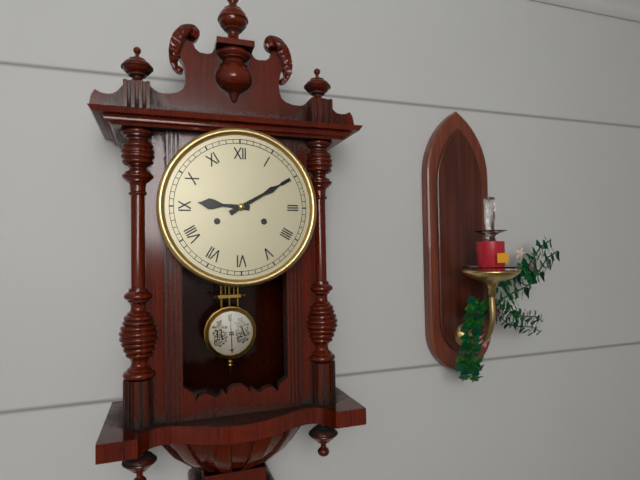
9:10
